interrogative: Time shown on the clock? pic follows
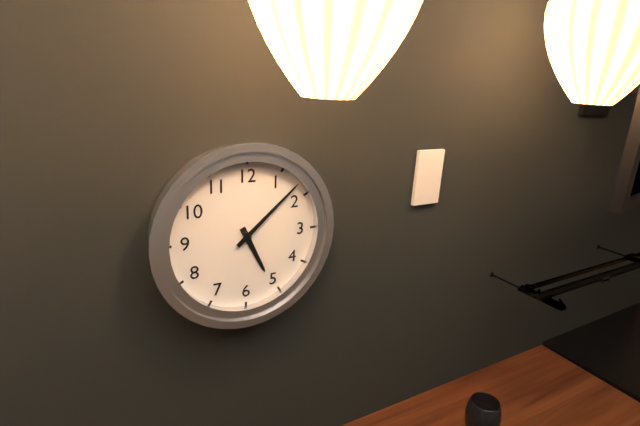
5:08
